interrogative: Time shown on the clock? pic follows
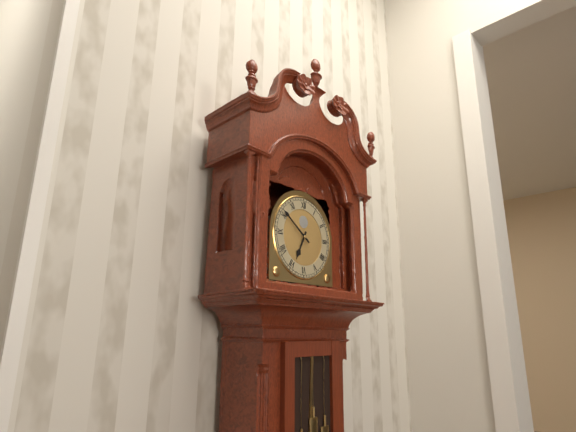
6:51
